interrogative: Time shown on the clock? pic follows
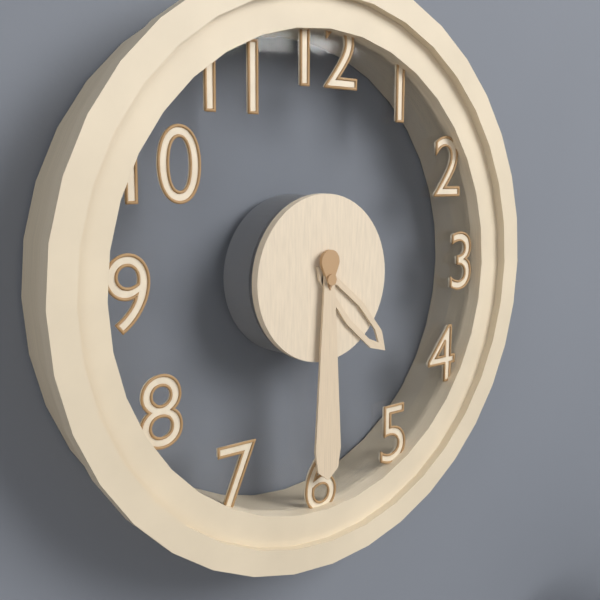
4:30
